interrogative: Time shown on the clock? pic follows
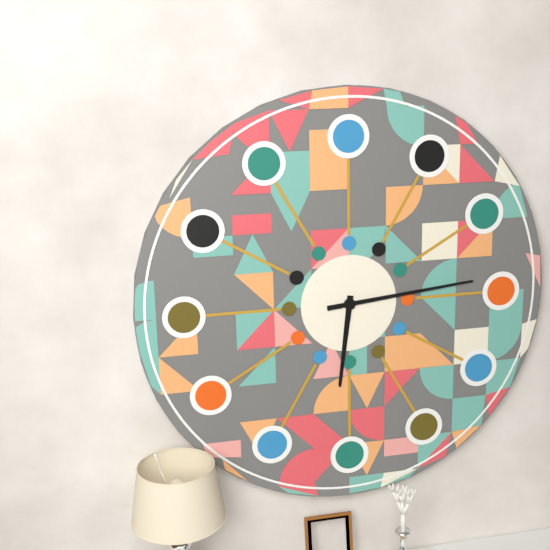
6:14
